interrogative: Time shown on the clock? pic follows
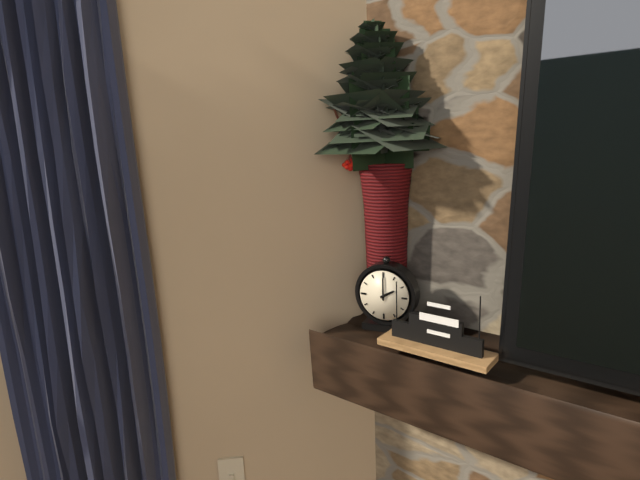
2:00
